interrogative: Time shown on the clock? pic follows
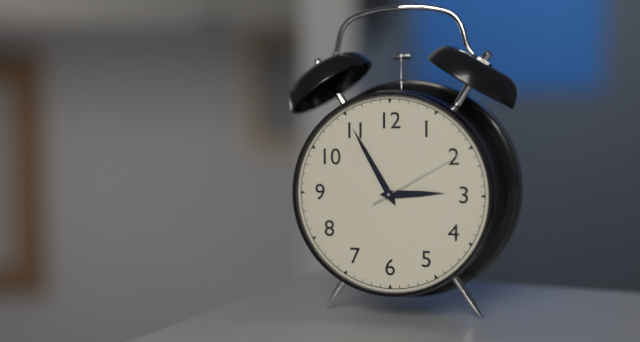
2:55:10
